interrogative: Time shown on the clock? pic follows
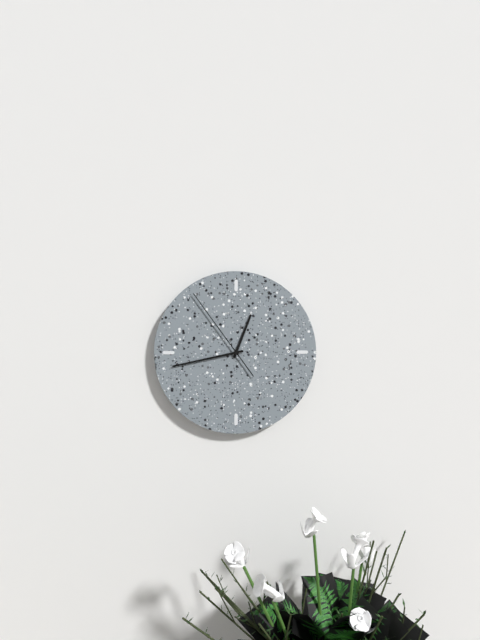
12:43:54
